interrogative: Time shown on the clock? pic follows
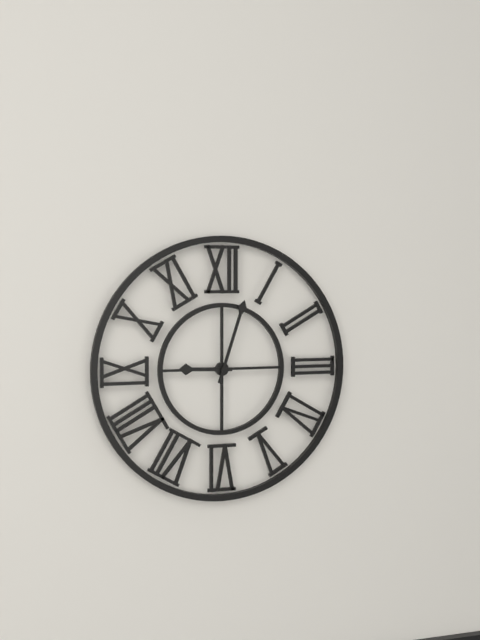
9:03
